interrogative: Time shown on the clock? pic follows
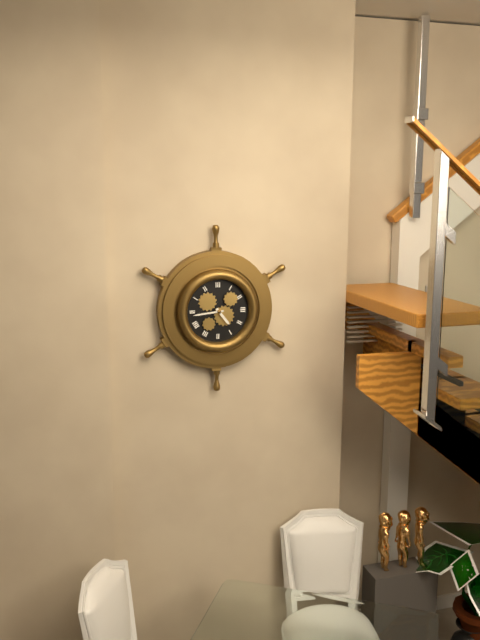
4:44
